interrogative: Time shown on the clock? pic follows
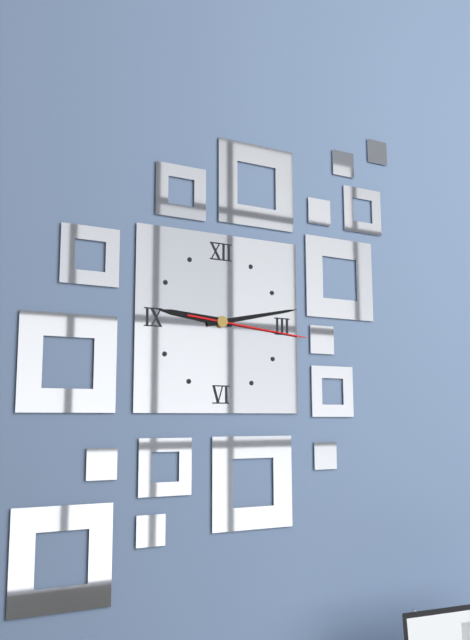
9:13:16
